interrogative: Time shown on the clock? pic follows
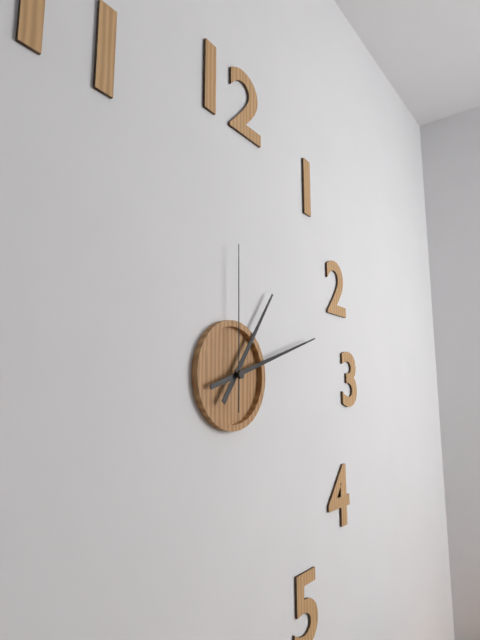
1:12:00
